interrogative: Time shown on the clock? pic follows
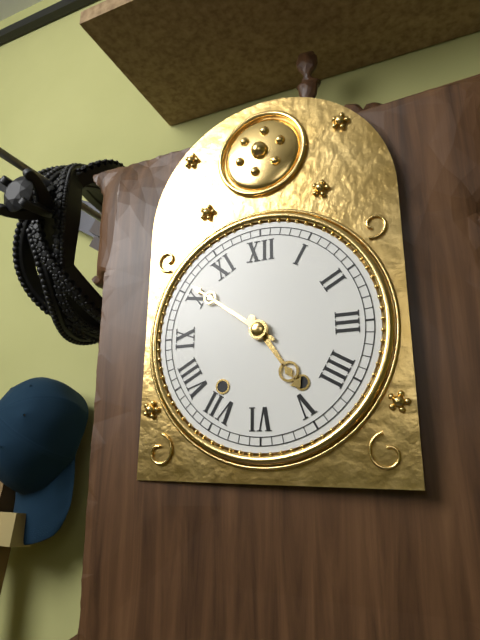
4:51
